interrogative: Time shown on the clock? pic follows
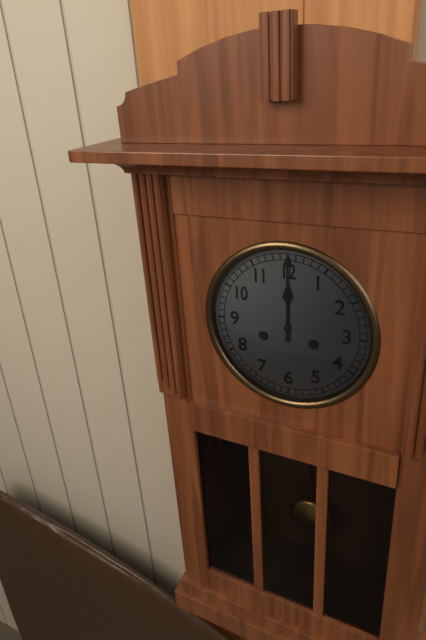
12:00
